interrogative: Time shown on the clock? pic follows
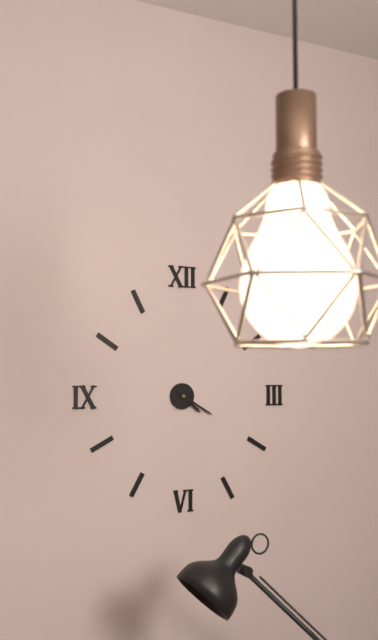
4:20
